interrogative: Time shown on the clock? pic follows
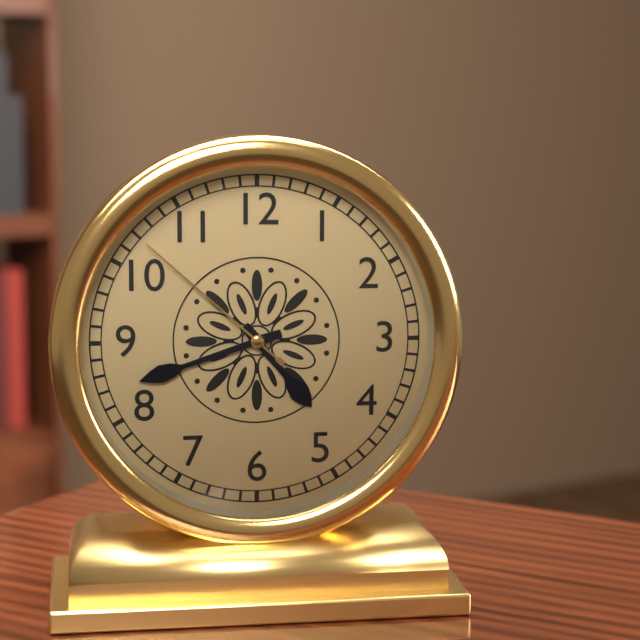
4:42:52
